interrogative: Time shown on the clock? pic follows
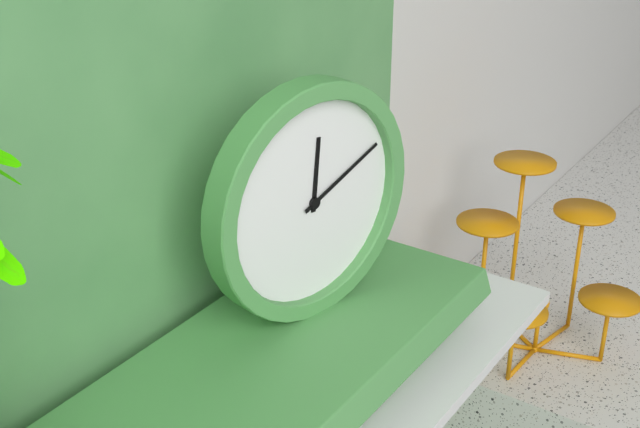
12:11
